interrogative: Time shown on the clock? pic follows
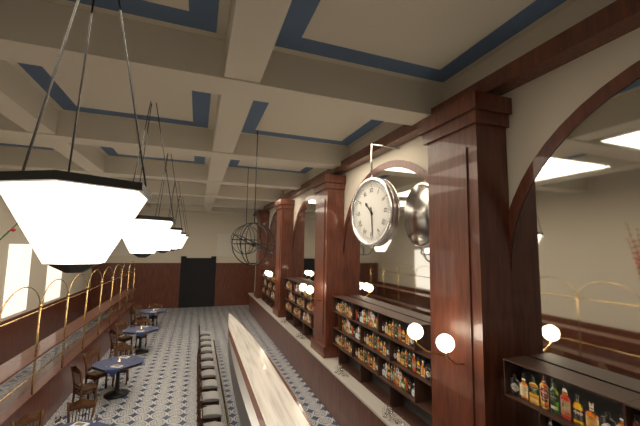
10:29
